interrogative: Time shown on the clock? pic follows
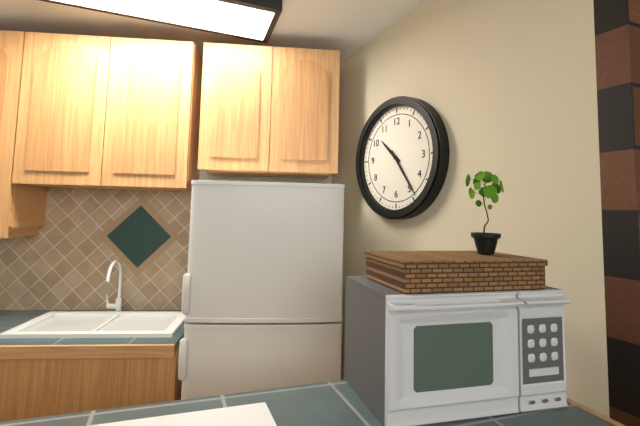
10:24
